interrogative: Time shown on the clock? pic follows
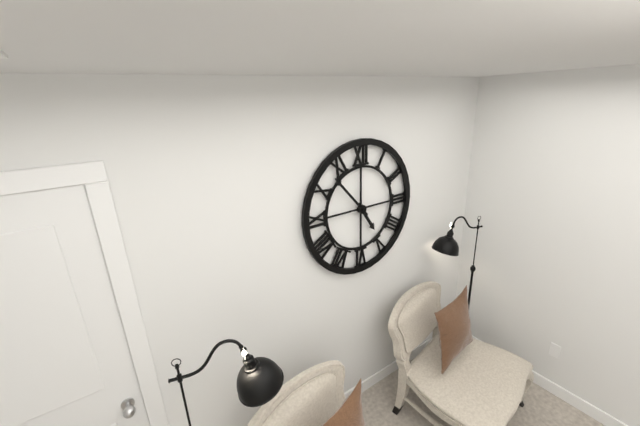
4:53
